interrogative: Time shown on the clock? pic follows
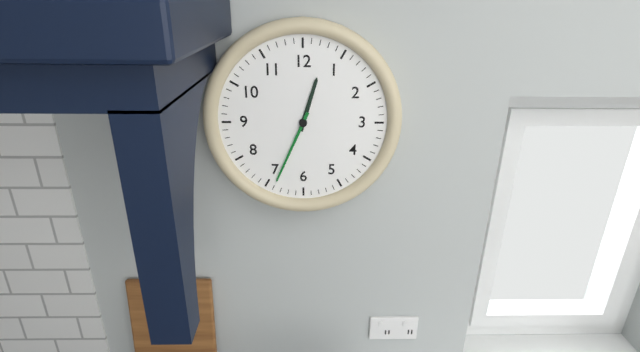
12:34
